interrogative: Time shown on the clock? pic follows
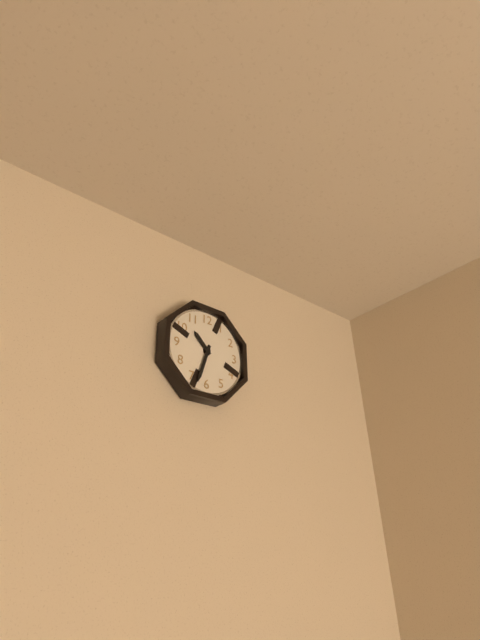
10:33
